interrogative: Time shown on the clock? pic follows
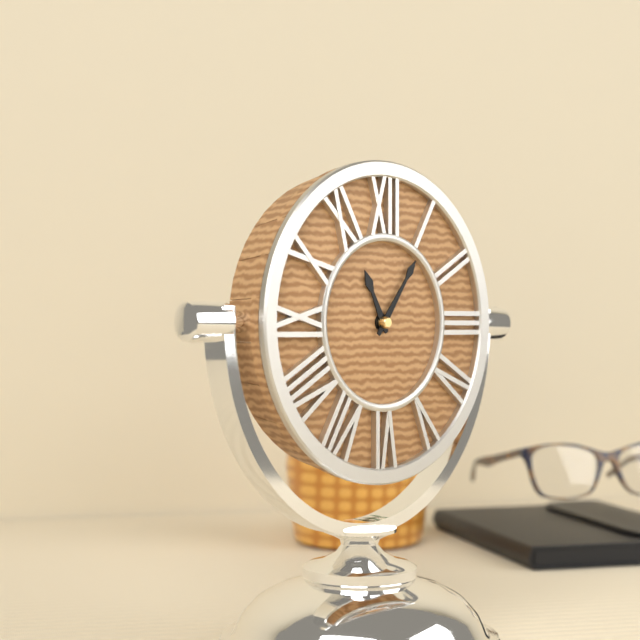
11:06
